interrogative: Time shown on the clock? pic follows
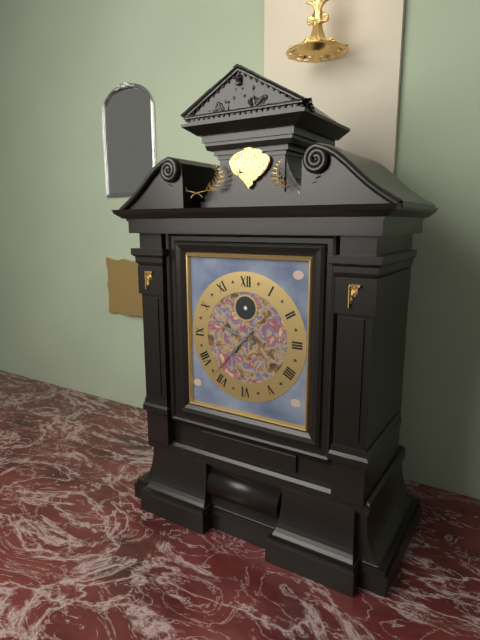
9:37
